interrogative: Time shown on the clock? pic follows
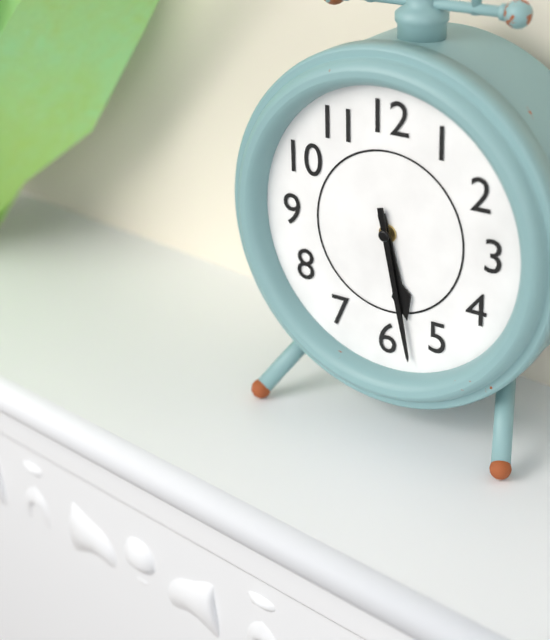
5:28
